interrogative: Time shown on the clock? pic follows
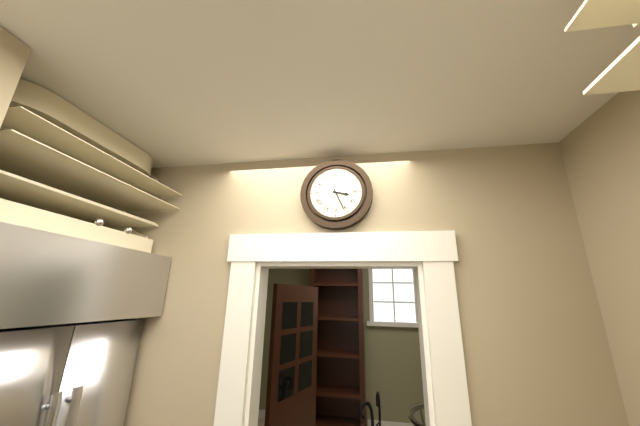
3:26
